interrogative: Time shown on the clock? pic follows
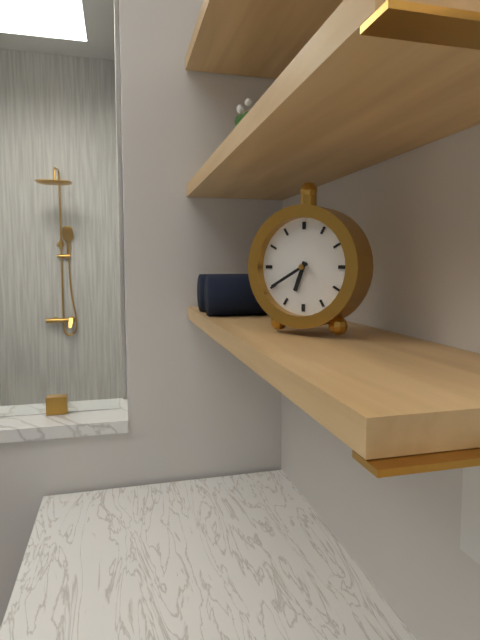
6:40
